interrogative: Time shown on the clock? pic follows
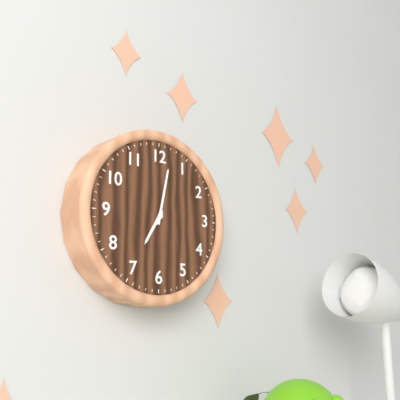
7:02
